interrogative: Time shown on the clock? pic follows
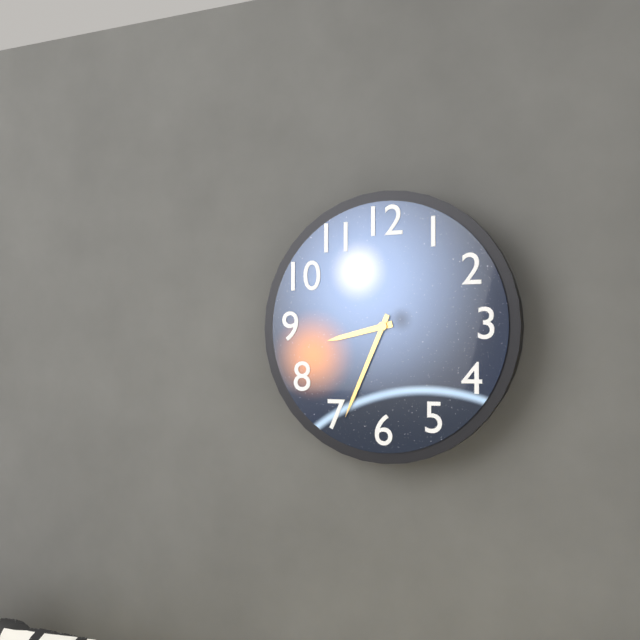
8:34
